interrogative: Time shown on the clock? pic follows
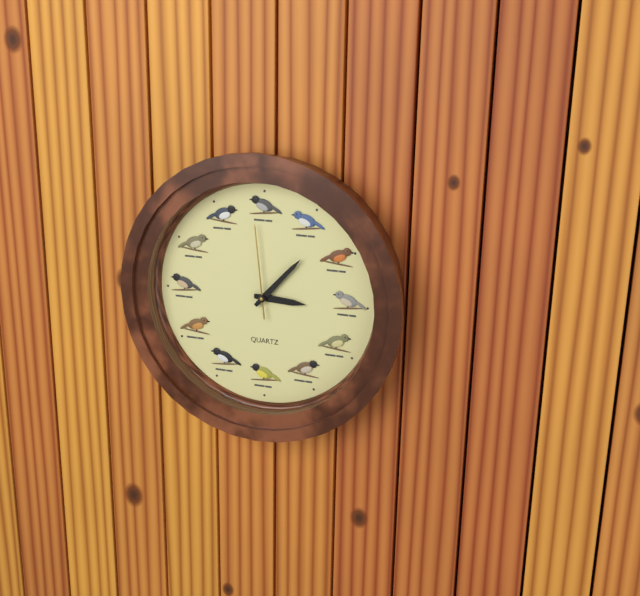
3:07:59
